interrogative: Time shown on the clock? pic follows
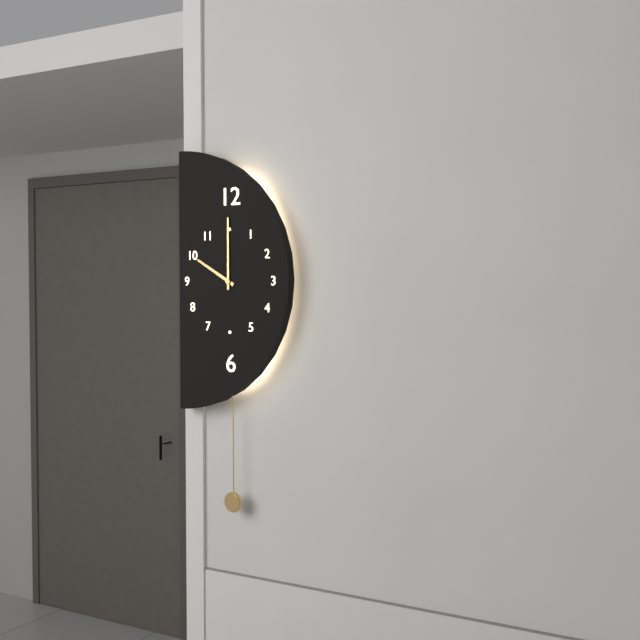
10:00
